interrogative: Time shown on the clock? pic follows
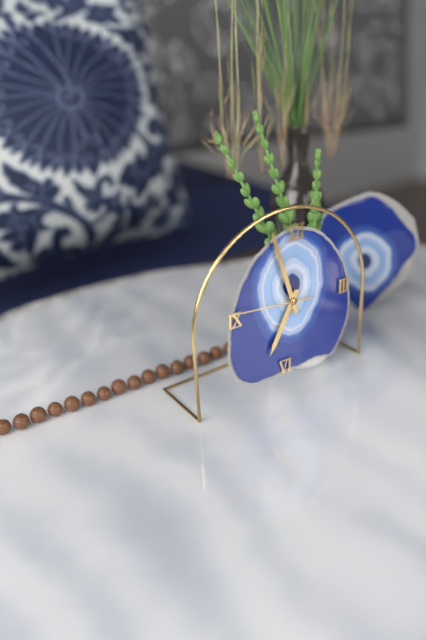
6:57:46
